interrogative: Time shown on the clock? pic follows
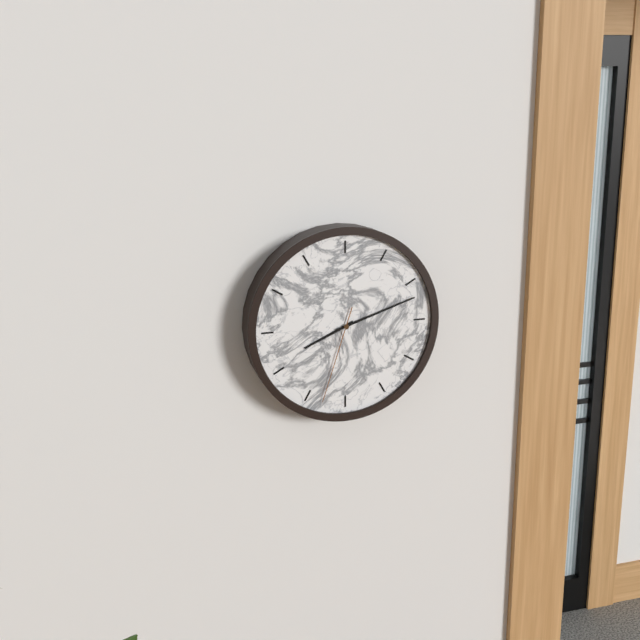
8:12:33
